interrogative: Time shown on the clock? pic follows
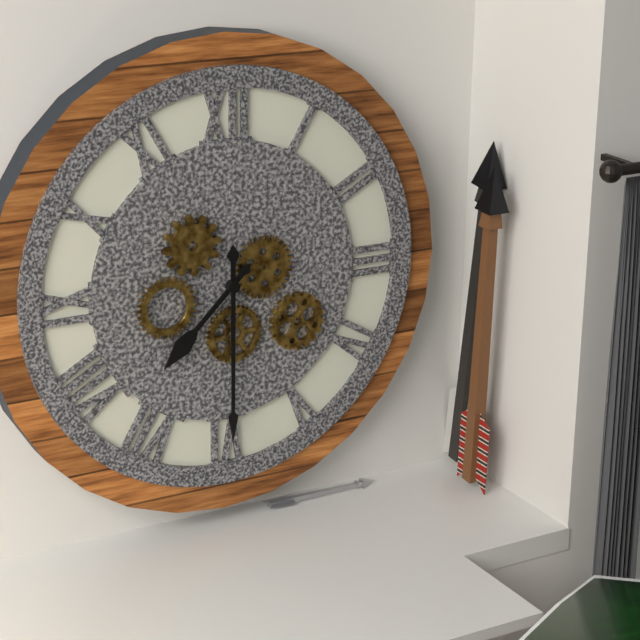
7:30
